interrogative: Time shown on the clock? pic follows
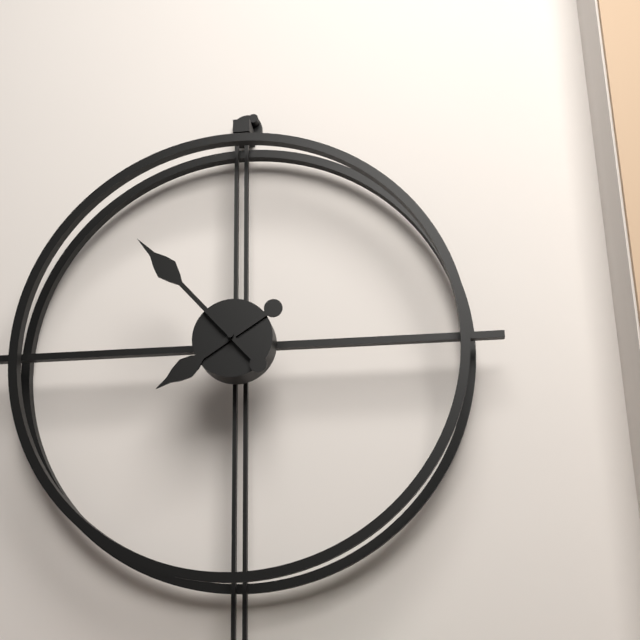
7:53
